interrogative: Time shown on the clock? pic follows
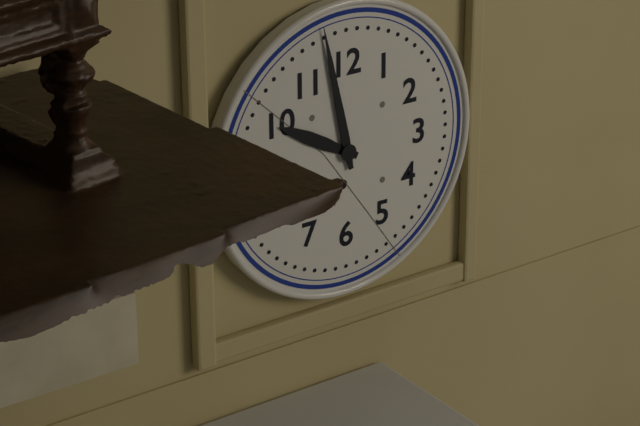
9:58
